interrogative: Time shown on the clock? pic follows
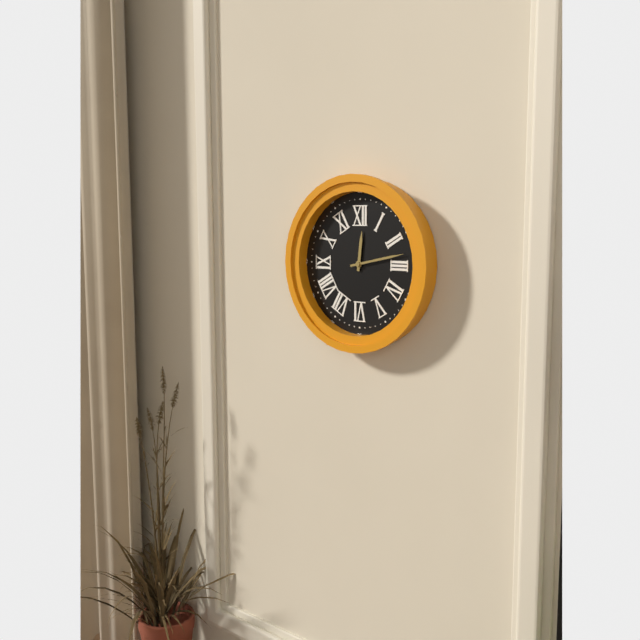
12:13
